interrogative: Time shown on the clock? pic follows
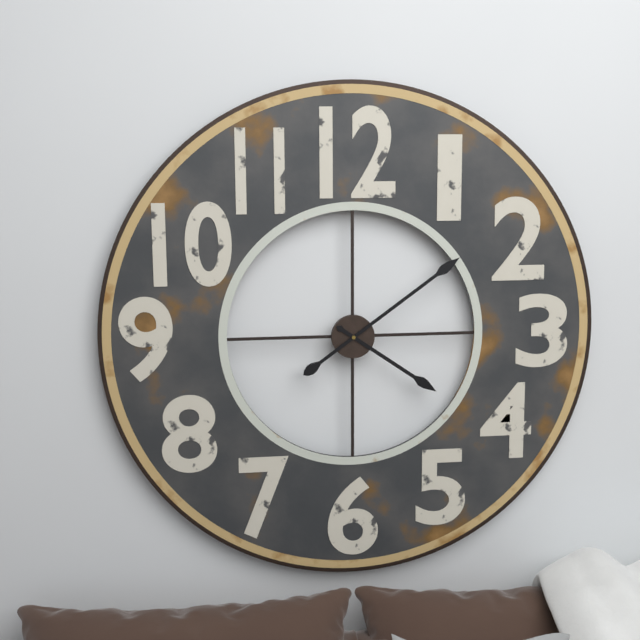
4:09
